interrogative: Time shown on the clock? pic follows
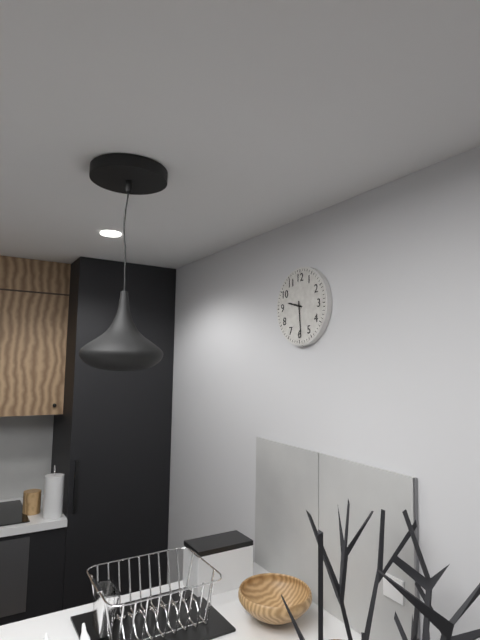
9:29
